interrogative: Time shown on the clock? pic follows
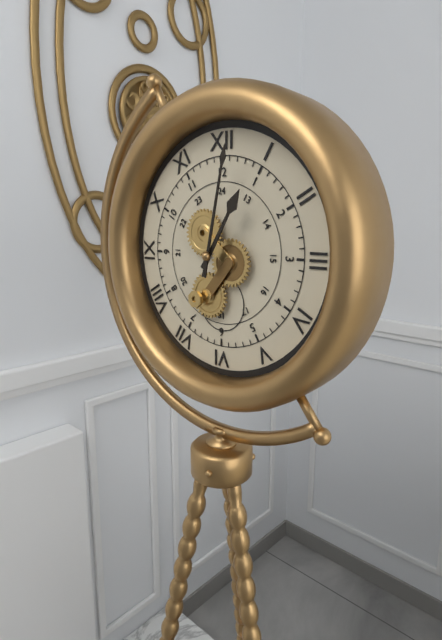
1:02
